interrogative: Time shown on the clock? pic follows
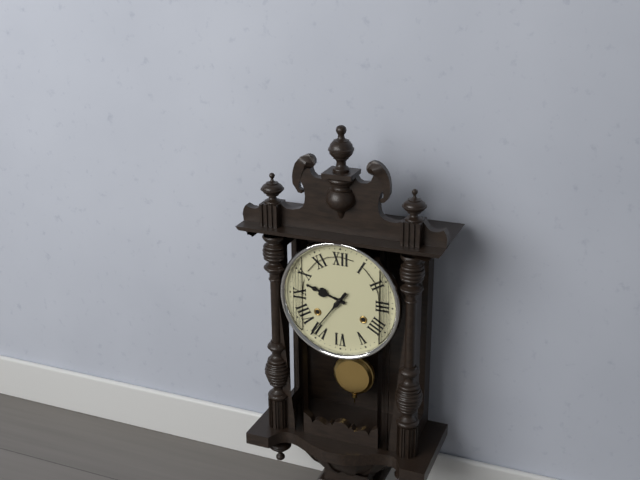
9:36
